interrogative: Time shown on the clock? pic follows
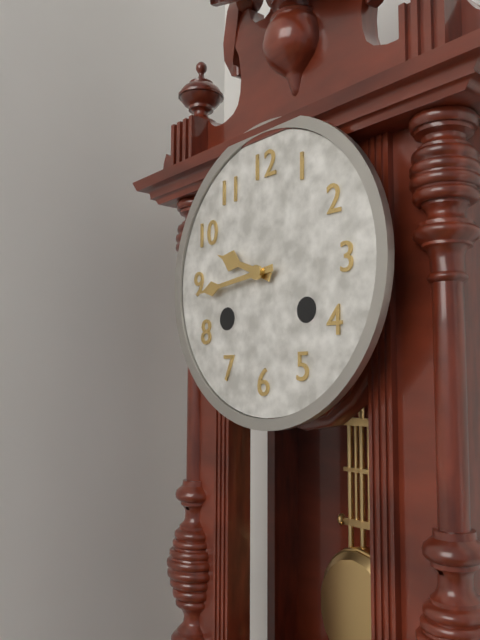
9:44
